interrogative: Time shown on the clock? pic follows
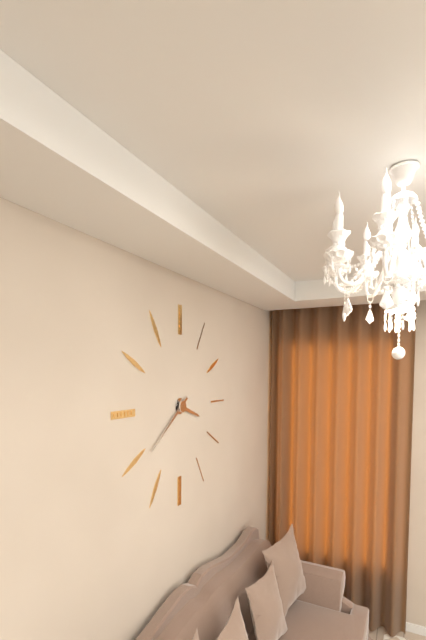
3:39
